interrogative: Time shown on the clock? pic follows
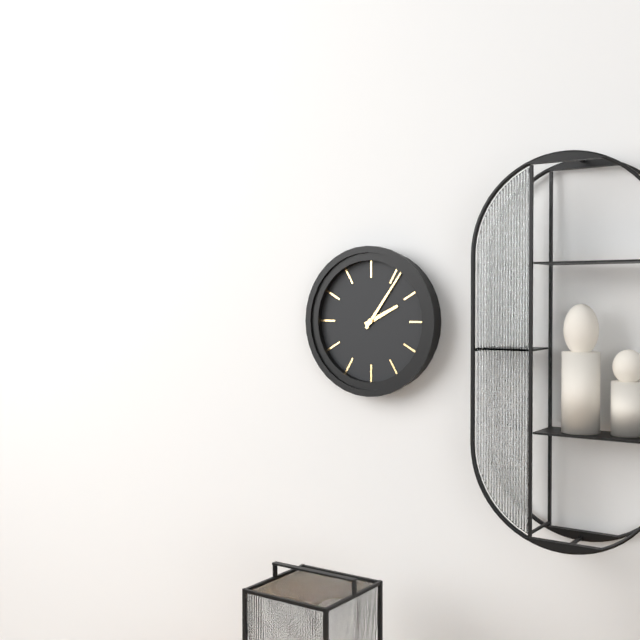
2:06
